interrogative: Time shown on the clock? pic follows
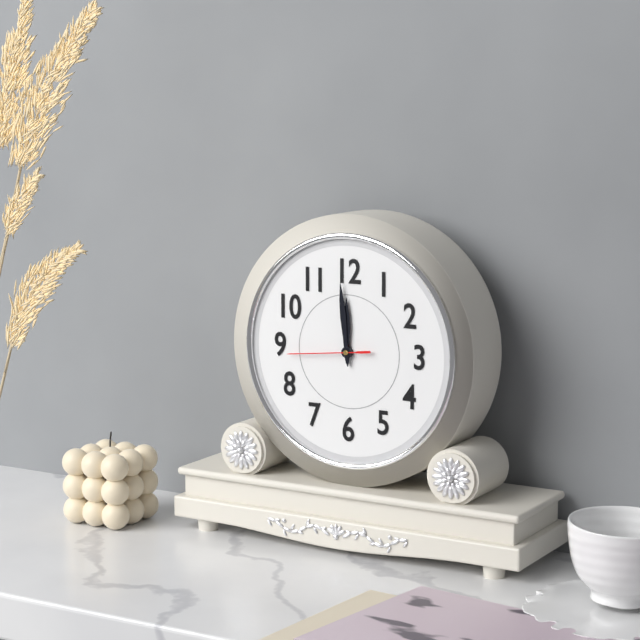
11:59:44
